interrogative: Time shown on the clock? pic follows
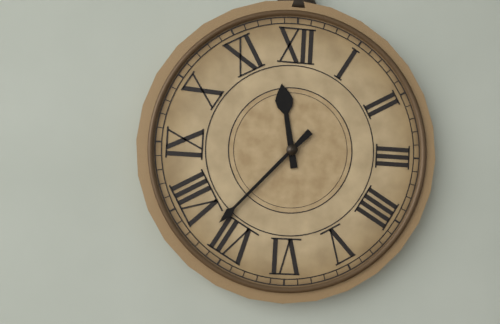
11:37
